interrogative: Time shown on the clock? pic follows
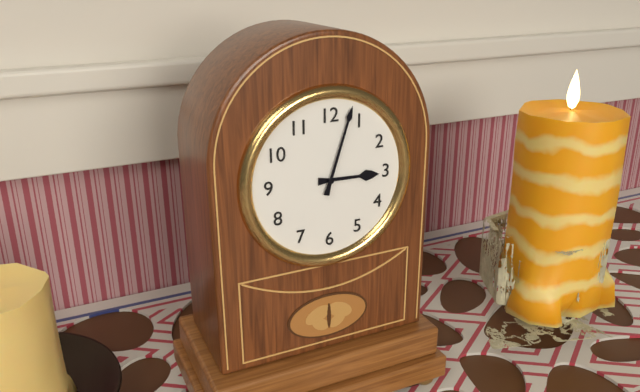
3:03
